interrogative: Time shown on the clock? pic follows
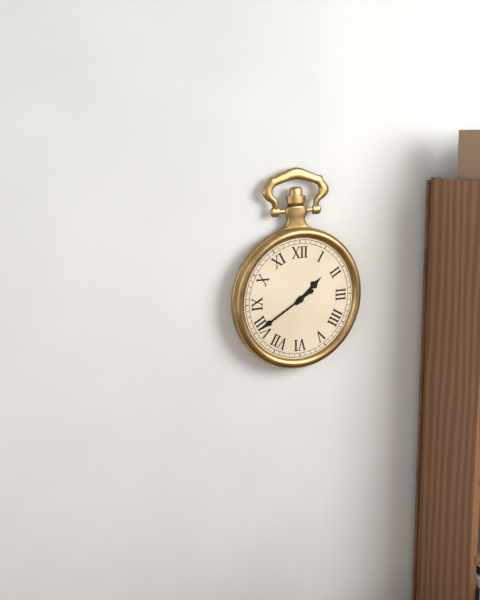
1:40
